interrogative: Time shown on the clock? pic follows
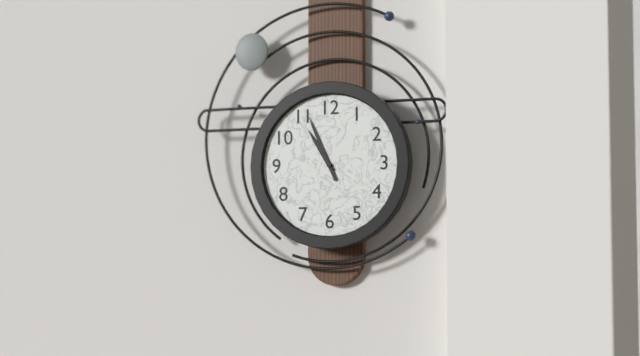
10:56
